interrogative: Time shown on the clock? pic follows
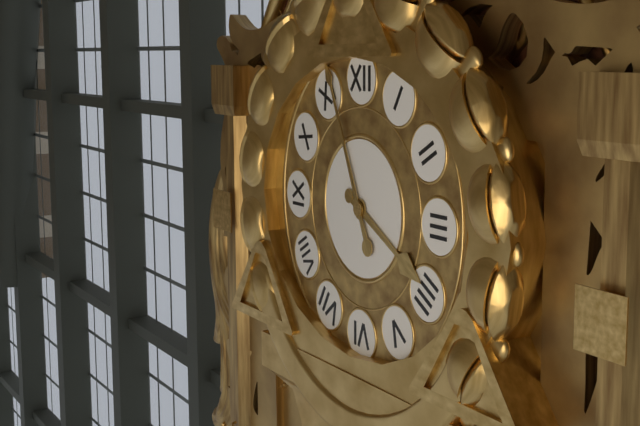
3:56
